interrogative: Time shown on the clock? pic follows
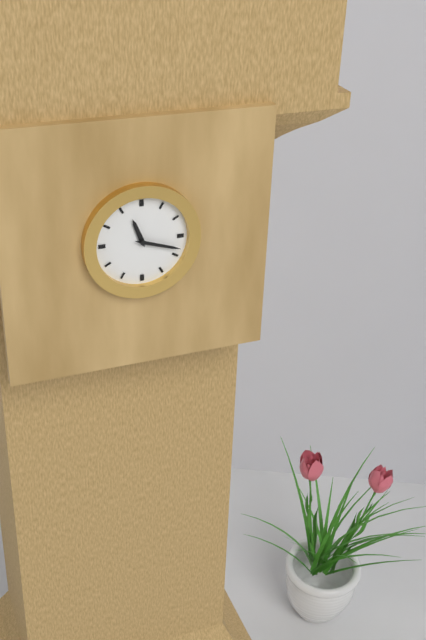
11:18
